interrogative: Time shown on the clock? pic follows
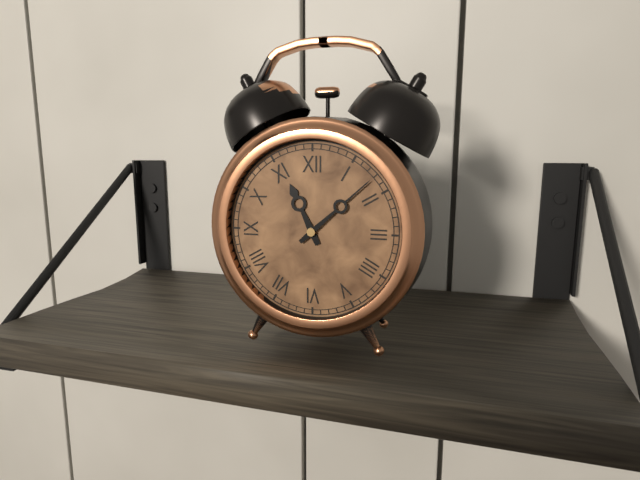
11:08
